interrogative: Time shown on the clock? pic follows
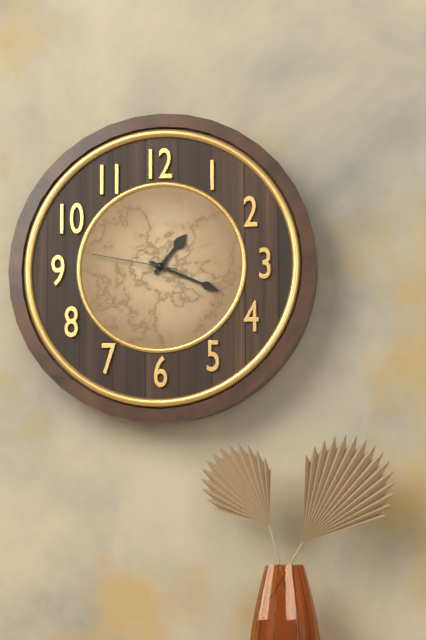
1:19:47
